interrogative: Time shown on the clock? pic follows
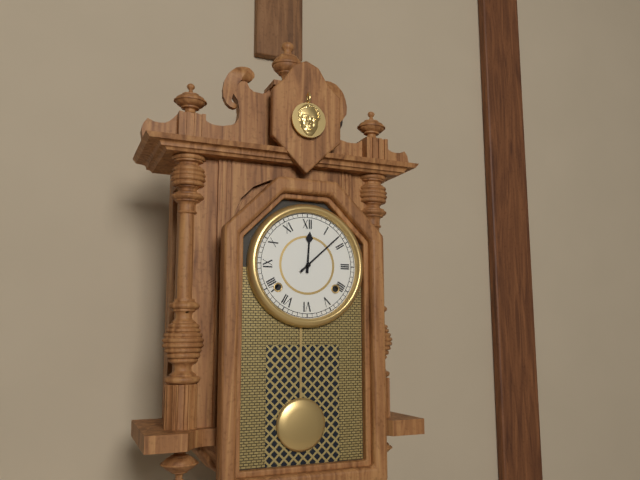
12:08
